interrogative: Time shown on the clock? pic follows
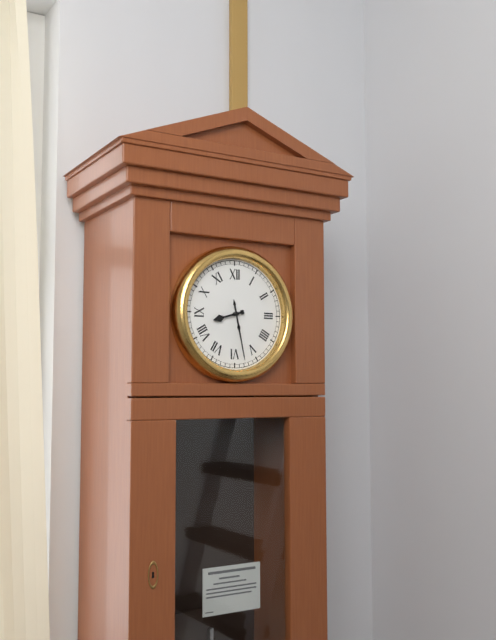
8:28
